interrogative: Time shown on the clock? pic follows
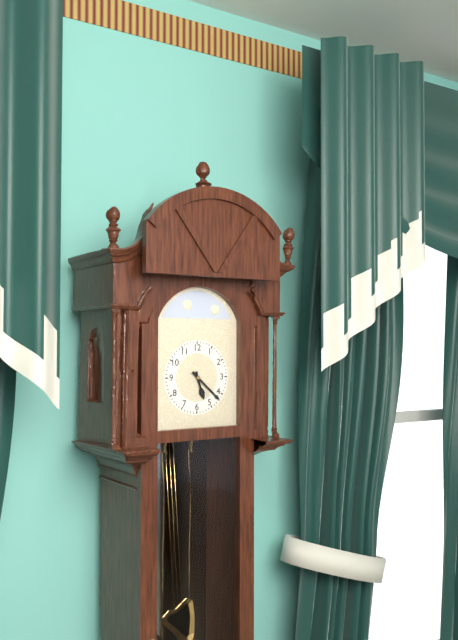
5:22
